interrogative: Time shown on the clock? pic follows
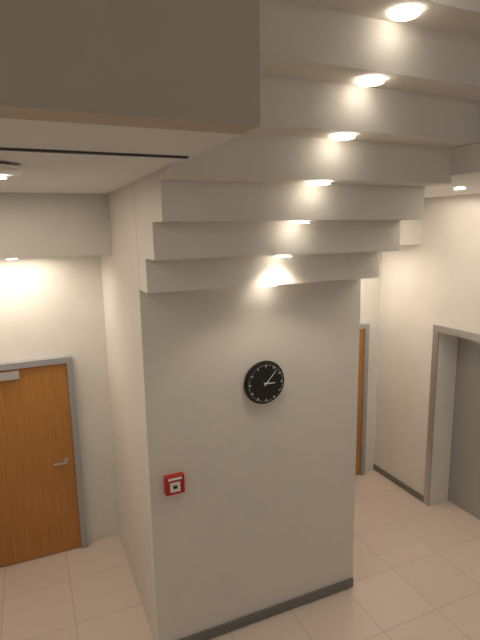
3:07
